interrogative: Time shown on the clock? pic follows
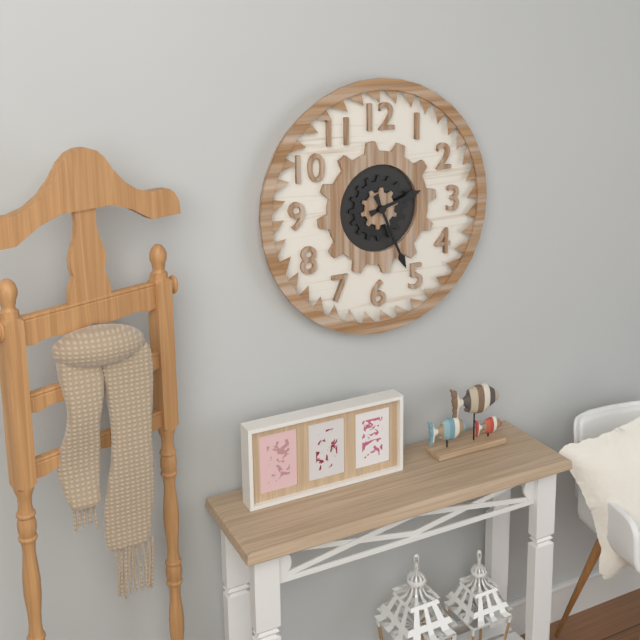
2:26
